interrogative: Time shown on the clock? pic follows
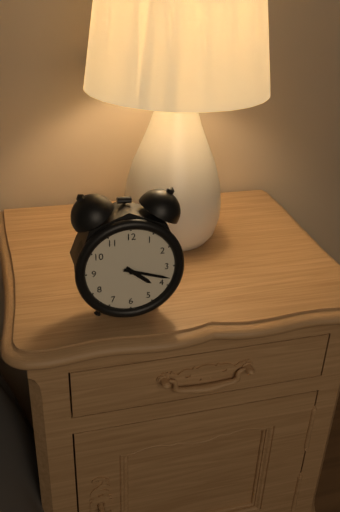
4:18
